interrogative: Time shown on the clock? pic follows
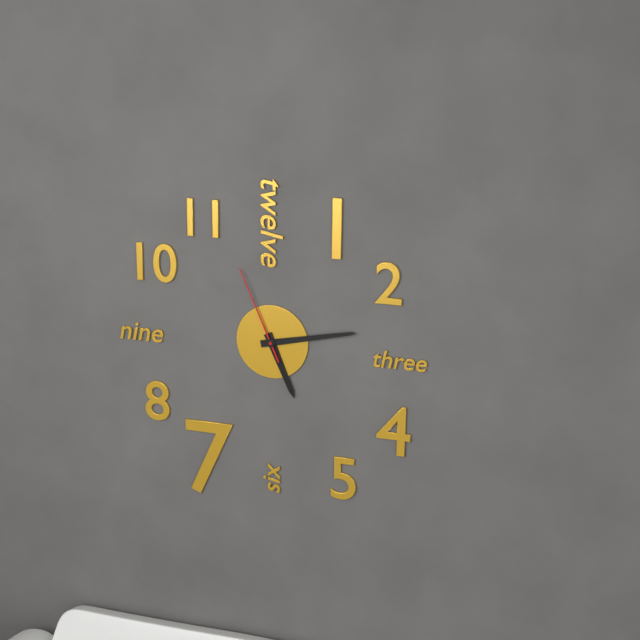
5:13:56
